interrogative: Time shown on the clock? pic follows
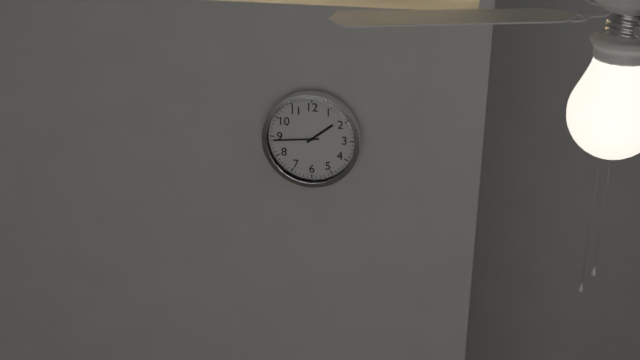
1:44
